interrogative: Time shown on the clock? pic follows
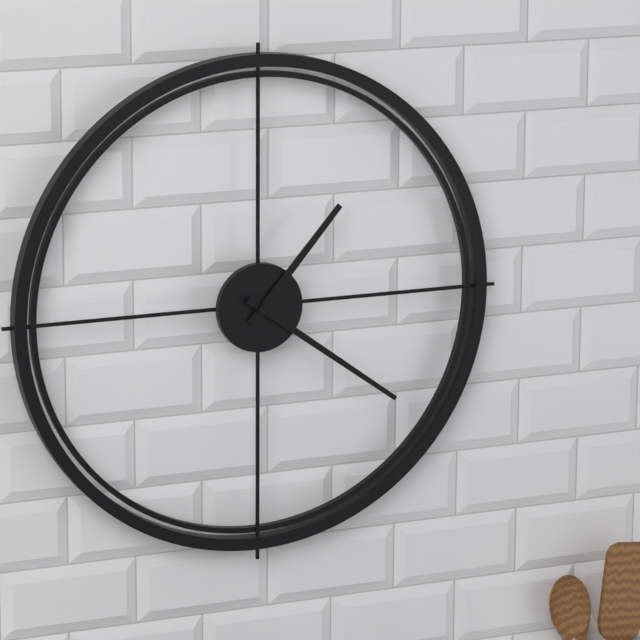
1:21
